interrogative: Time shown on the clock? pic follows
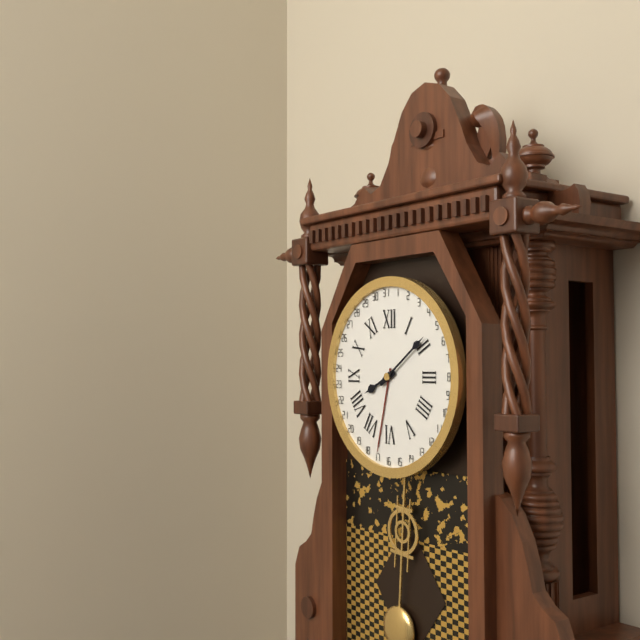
8:09
